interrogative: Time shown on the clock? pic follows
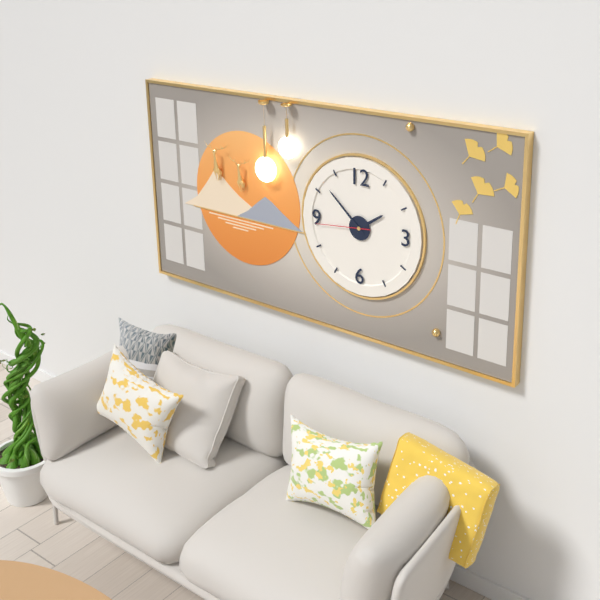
1:52:44
